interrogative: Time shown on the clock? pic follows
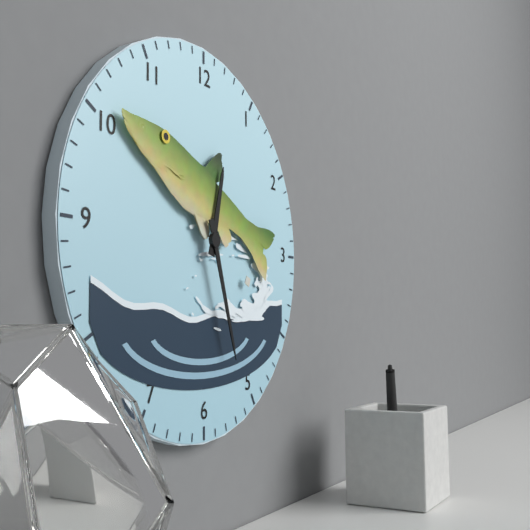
12:27
